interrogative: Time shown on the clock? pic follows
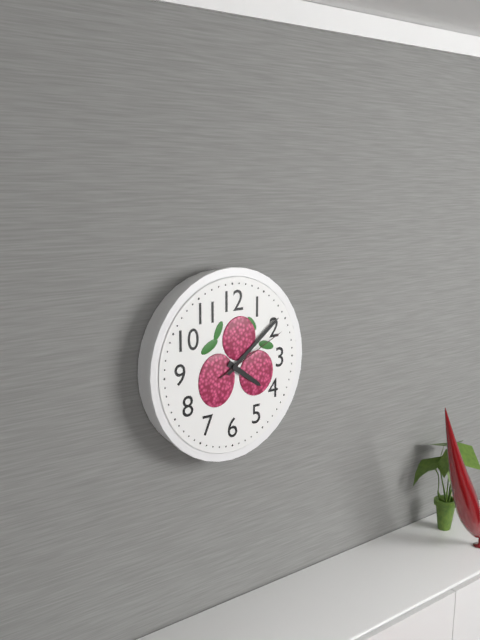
4:09:11
